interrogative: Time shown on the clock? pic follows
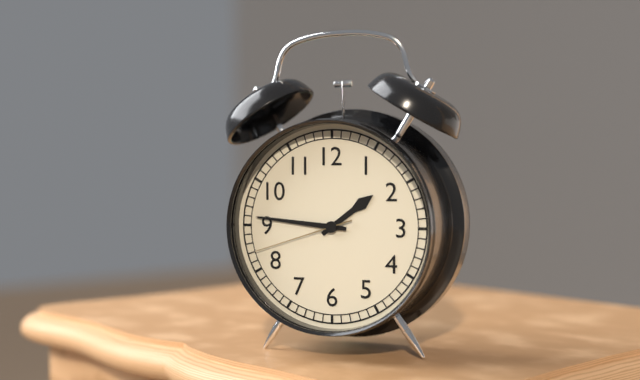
1:46:42
